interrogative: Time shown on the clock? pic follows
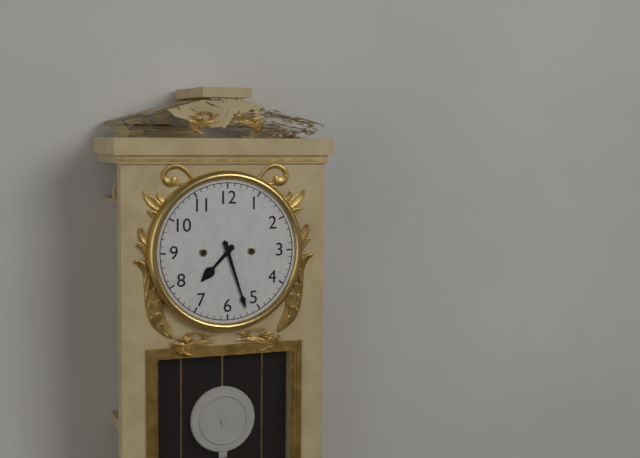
7:27
